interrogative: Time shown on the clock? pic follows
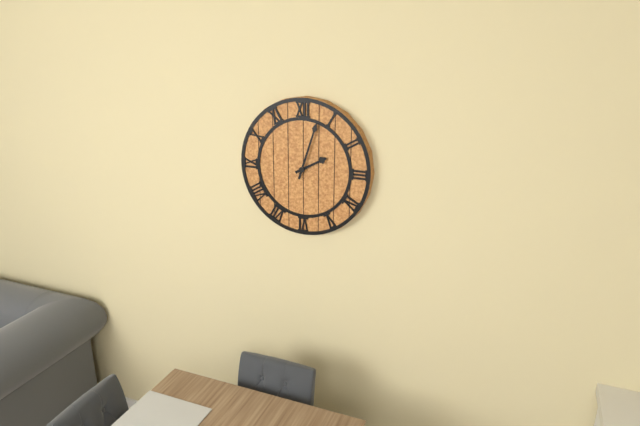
2:03
